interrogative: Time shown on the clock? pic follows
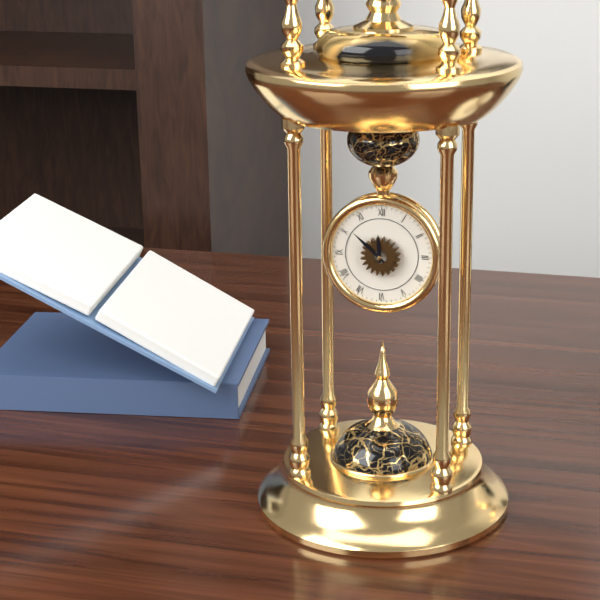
11:52
